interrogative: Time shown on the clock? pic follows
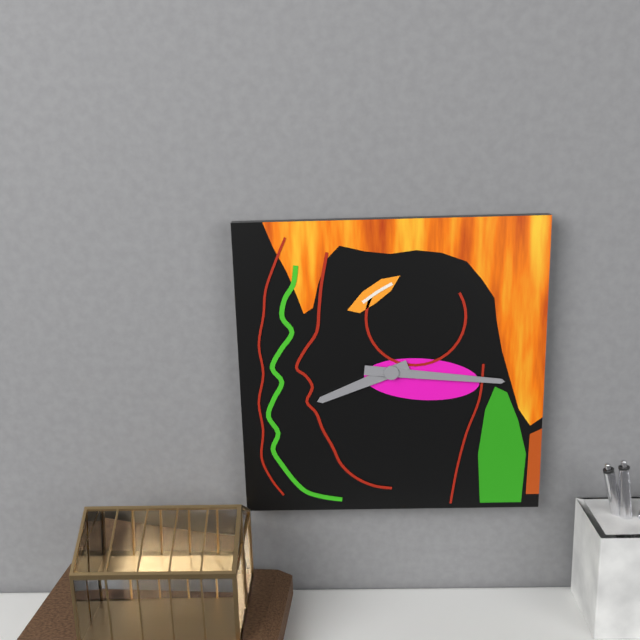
8:16
